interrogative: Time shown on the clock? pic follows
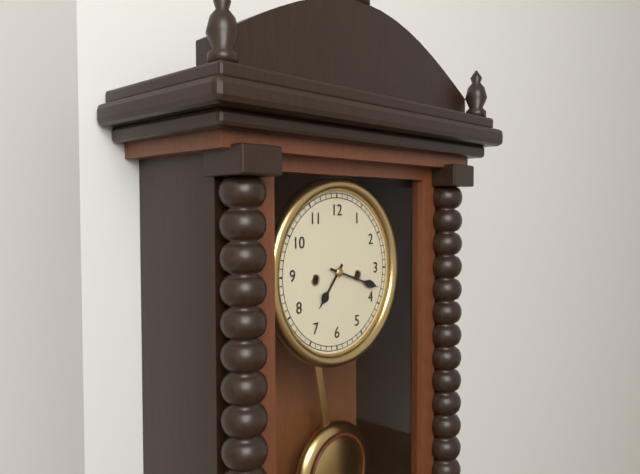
7:18
